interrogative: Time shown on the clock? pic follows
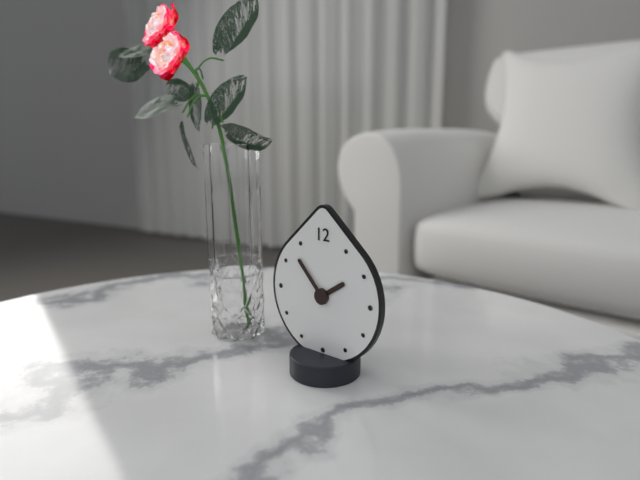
1:53
